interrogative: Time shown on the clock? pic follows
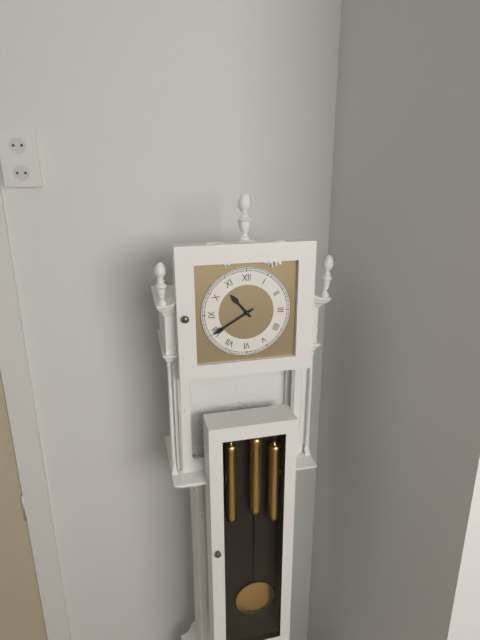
10:40
